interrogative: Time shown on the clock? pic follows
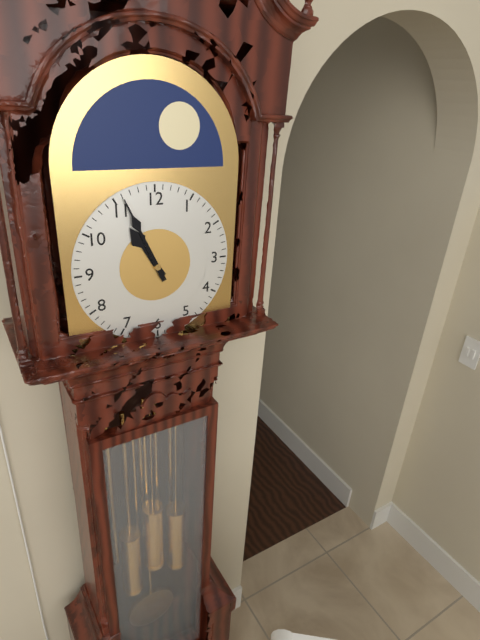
10:56
